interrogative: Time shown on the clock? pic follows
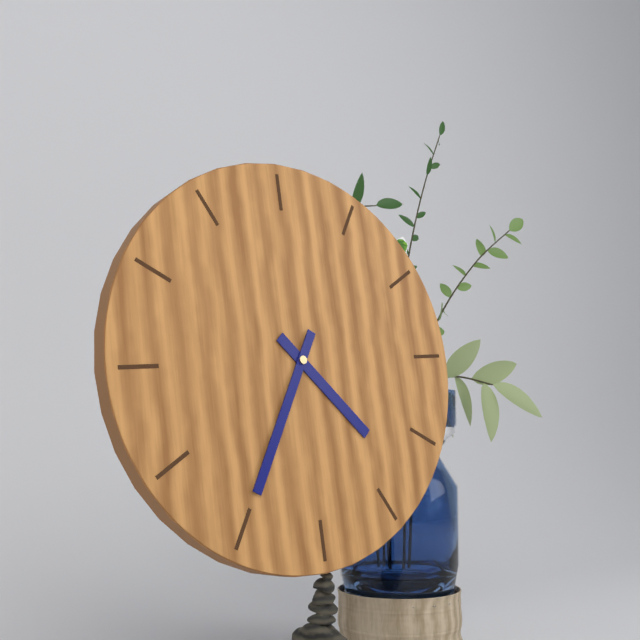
4:35
